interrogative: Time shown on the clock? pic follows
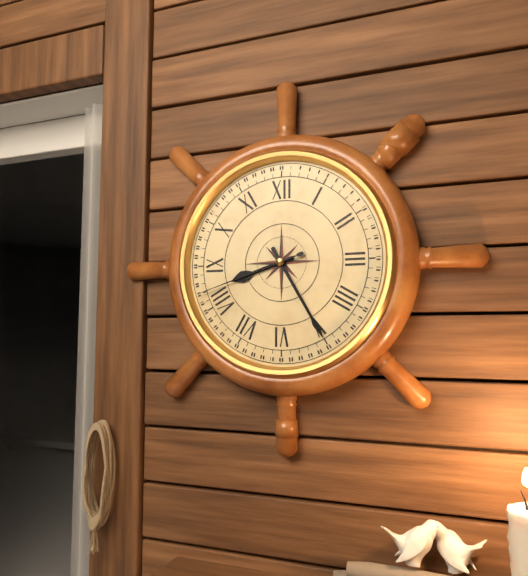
8:25:42
